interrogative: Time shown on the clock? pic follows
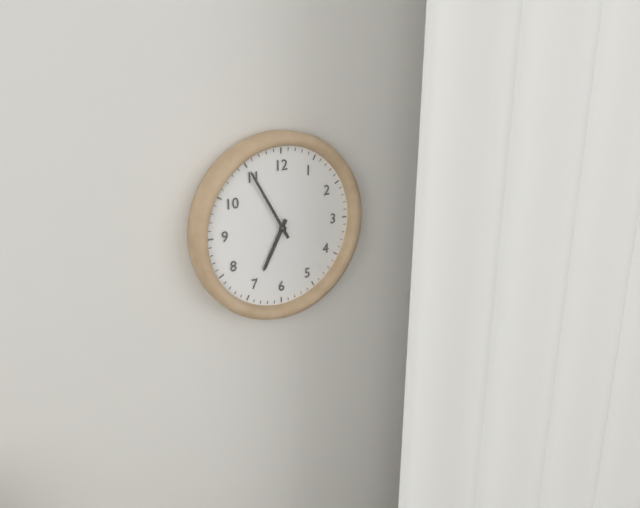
6:55
